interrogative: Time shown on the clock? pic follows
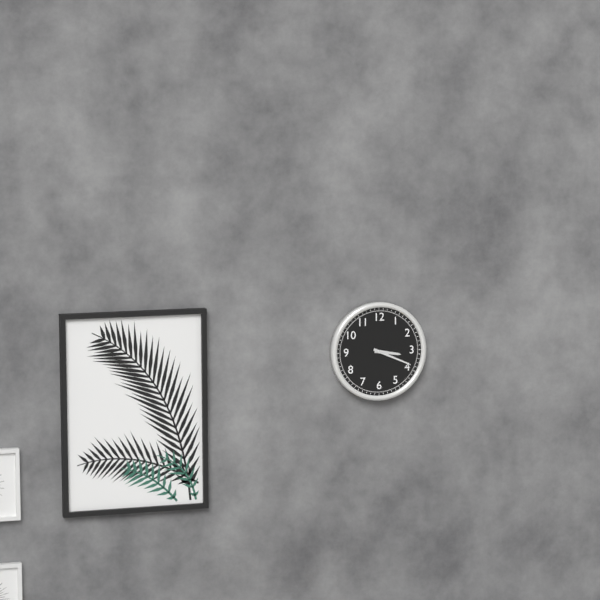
3:19
